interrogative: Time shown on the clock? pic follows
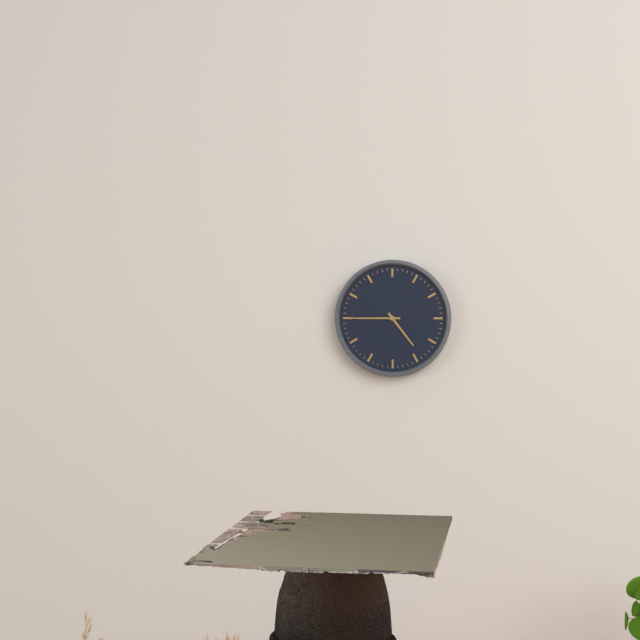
4:45
